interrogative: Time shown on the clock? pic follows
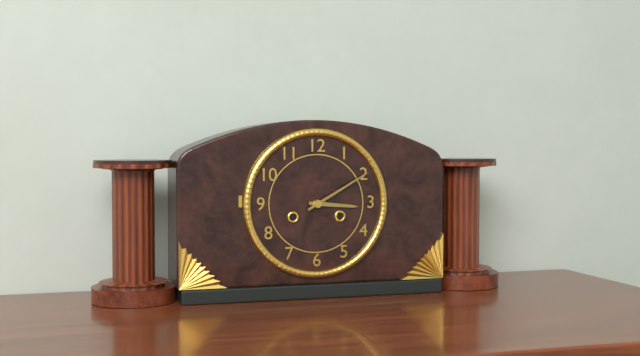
3:10
